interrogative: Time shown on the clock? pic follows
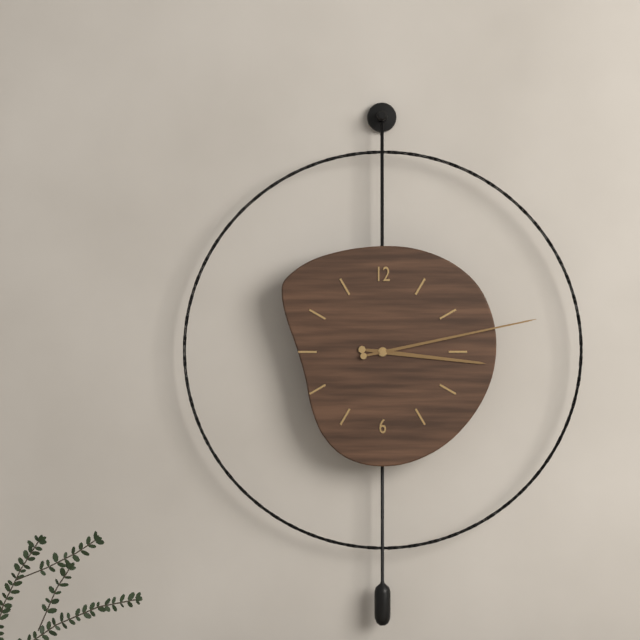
3:13
